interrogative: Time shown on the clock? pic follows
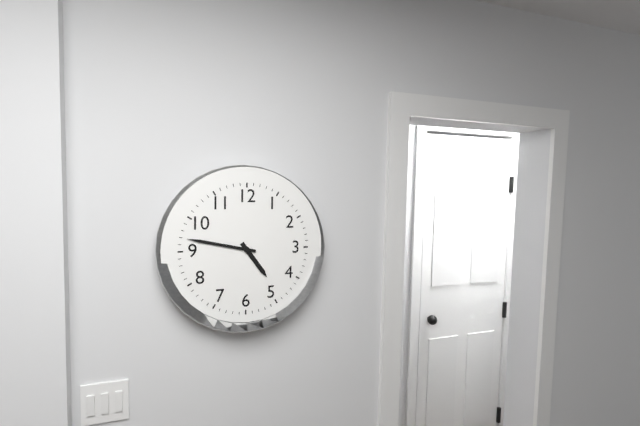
4:47
